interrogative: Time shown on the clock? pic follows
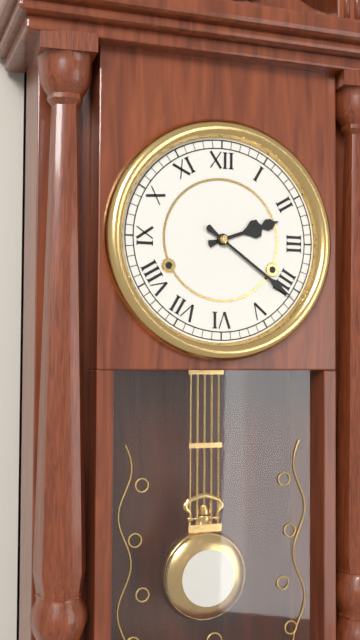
2:21
